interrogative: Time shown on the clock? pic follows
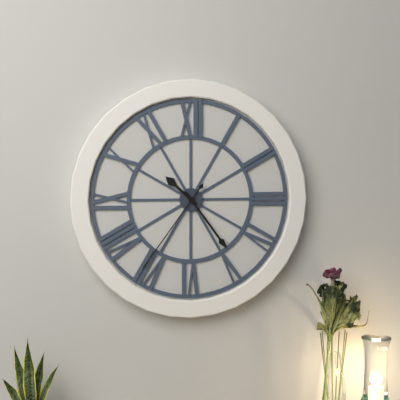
10:24:36
